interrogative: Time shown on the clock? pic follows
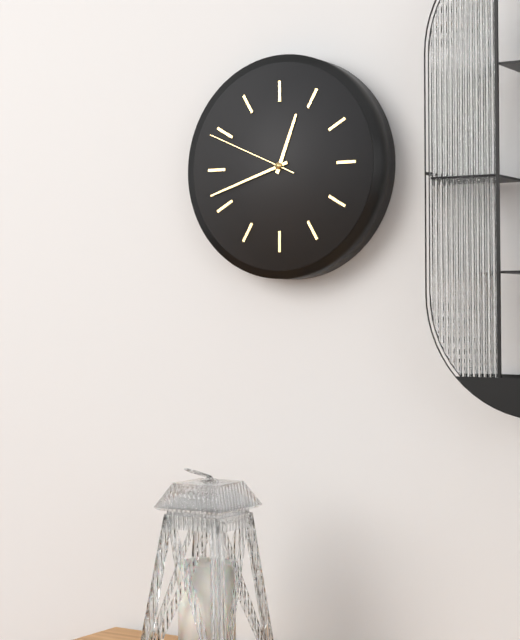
12:42:49
